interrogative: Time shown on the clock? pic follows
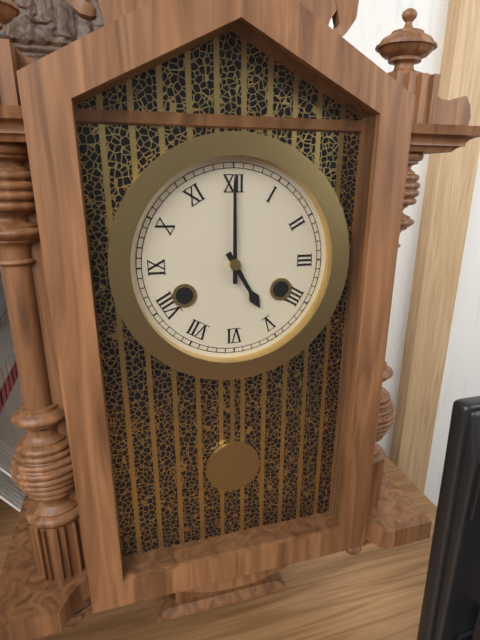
5:00
